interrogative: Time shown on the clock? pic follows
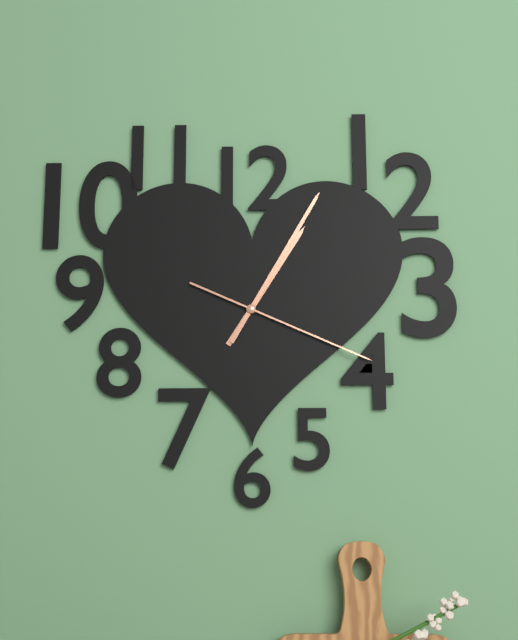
1:05:19
